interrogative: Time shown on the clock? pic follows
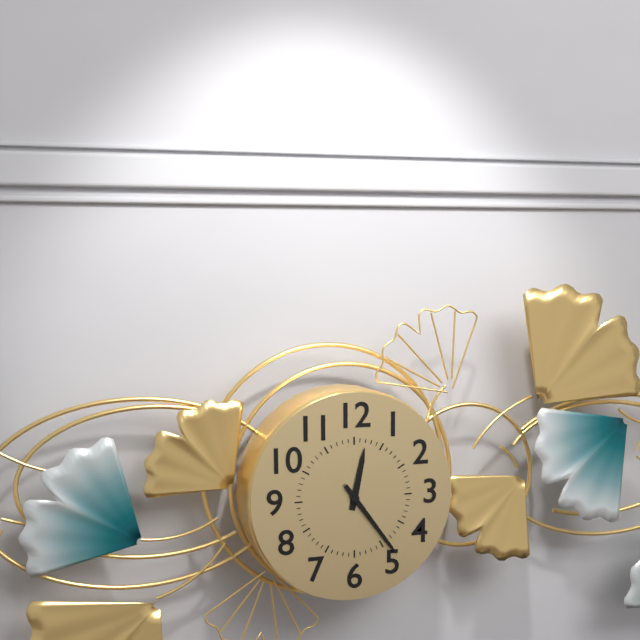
12:24
